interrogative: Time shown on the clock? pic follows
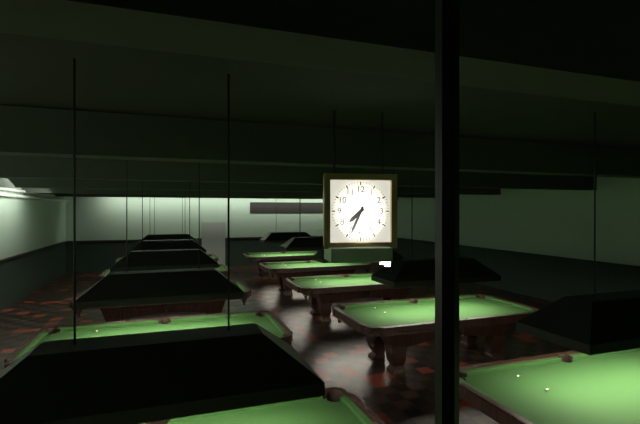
7:34
